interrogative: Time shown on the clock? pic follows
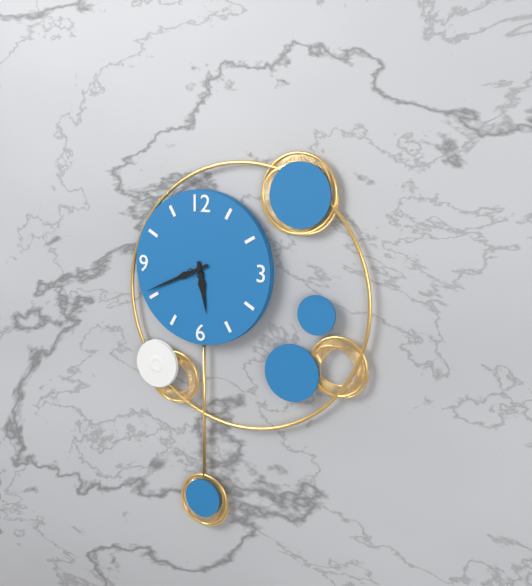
5:41
